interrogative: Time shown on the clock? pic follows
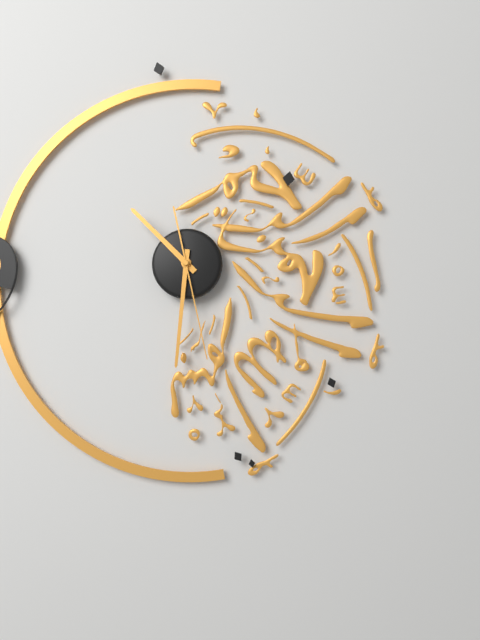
10:31:28
